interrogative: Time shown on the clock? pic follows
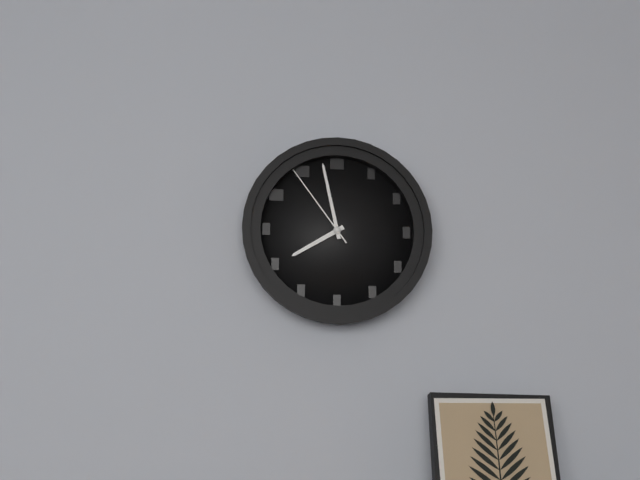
7:58:54
